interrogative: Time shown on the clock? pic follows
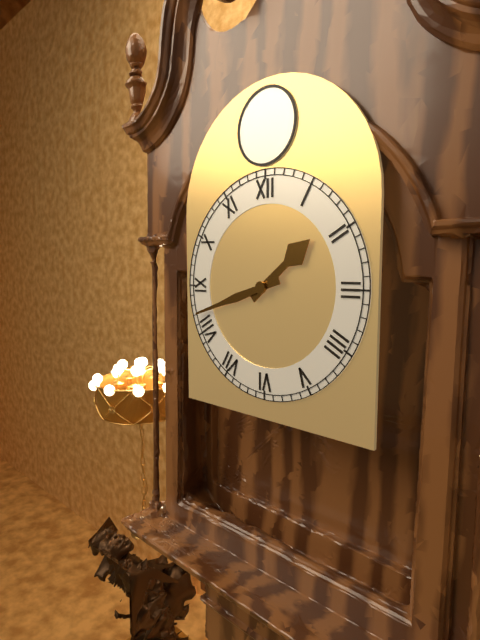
1:42
